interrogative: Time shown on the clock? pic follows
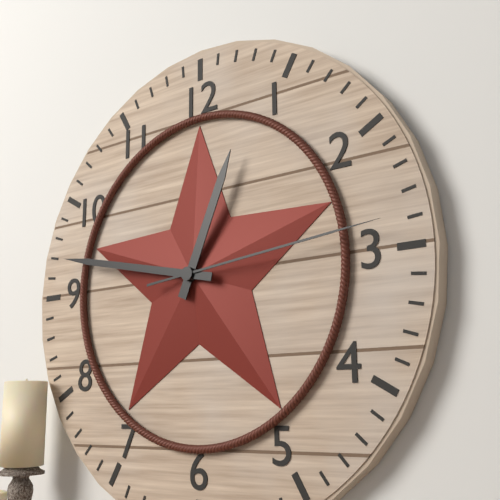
12:47:14
